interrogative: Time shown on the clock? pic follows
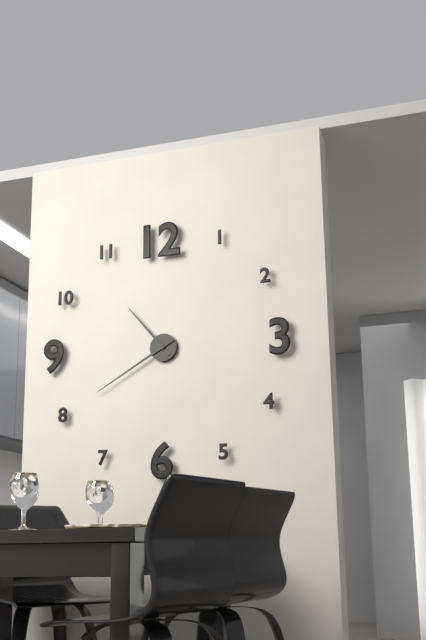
10:40
